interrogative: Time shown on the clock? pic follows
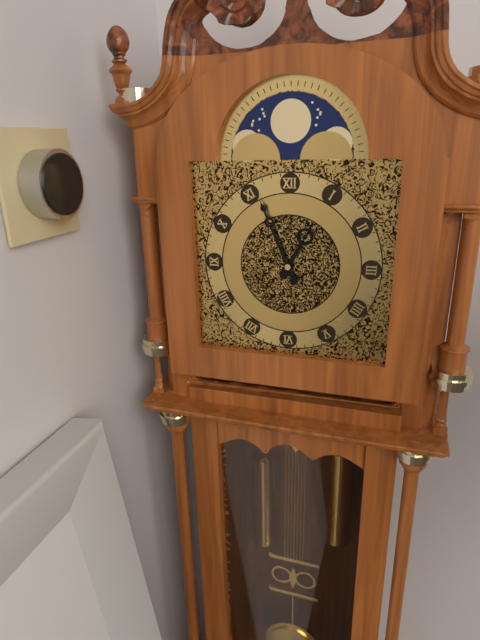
12:56
